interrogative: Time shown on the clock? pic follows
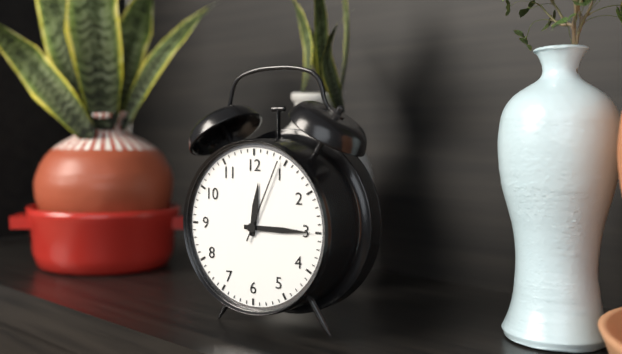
12:15:04
